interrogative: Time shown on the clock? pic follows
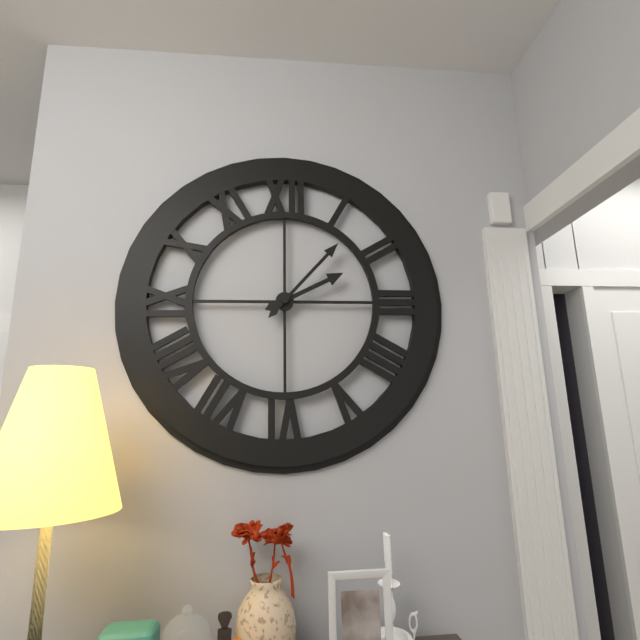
2:07
